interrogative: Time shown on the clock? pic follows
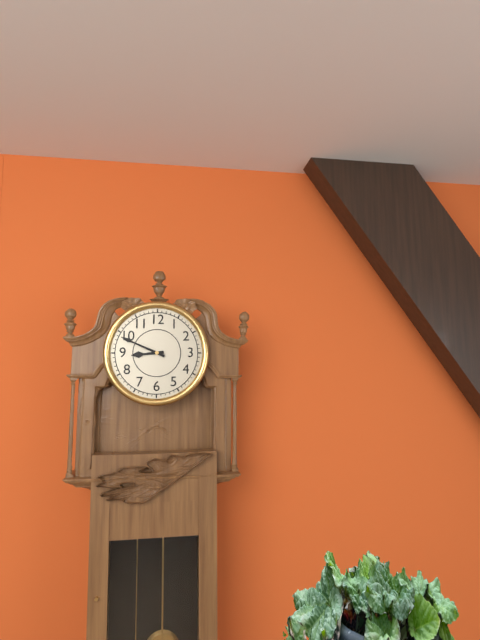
8:49
